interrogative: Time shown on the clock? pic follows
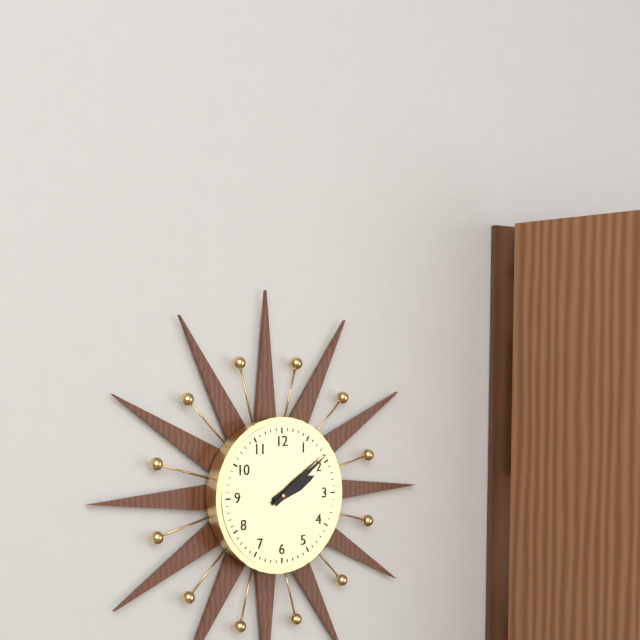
2:09
